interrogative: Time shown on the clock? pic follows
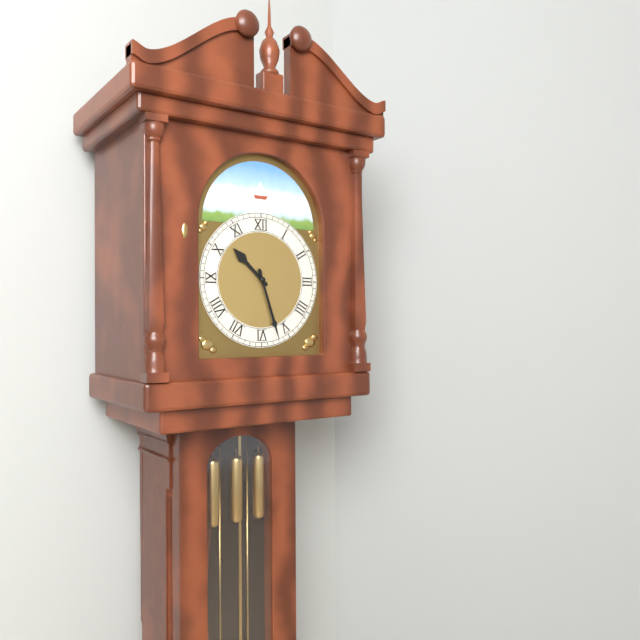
10:27
